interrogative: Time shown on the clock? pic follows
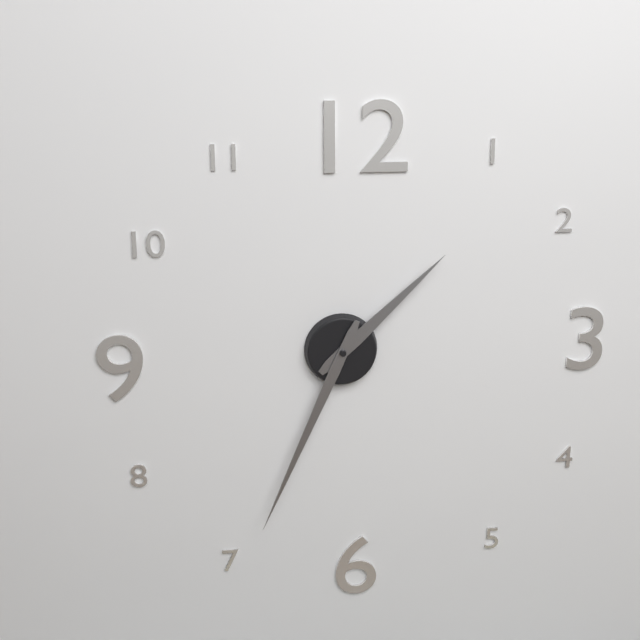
1:34
